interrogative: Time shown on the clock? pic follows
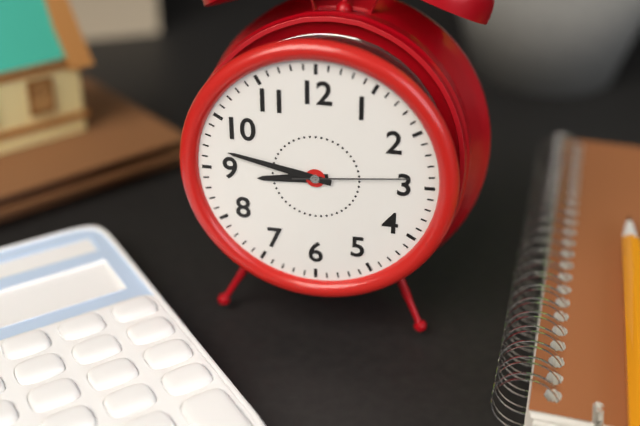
8:47:14
